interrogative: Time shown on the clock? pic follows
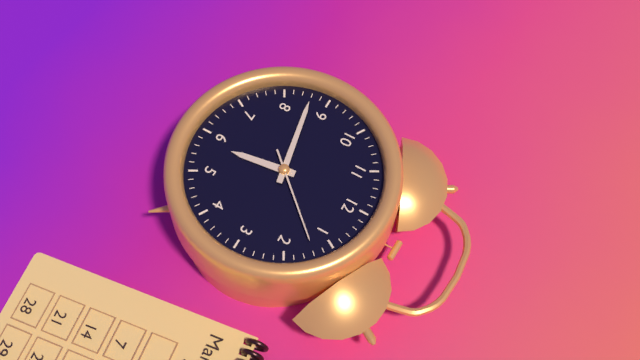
5:43:07
